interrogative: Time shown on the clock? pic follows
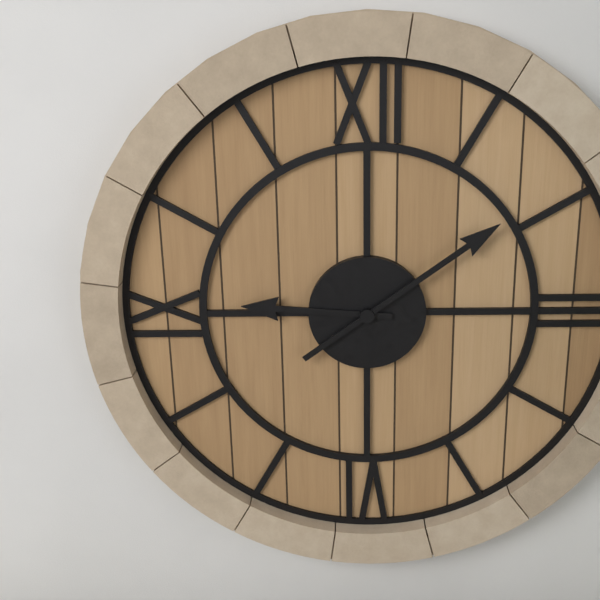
9:09
